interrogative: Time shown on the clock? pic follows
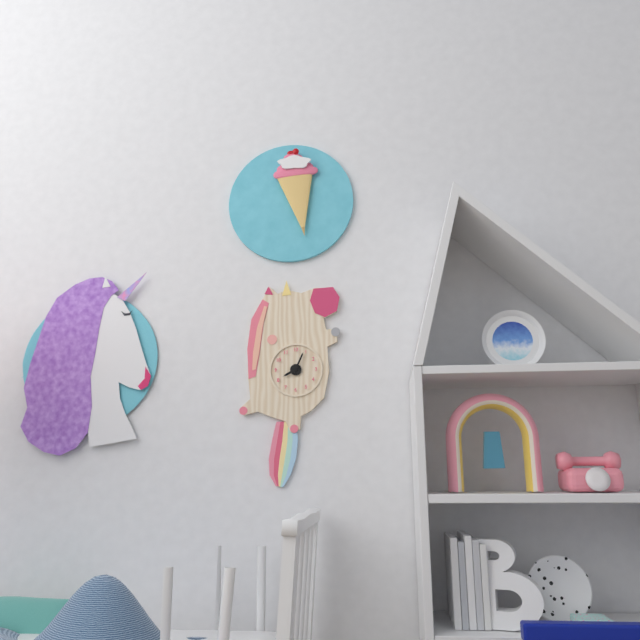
8:04
